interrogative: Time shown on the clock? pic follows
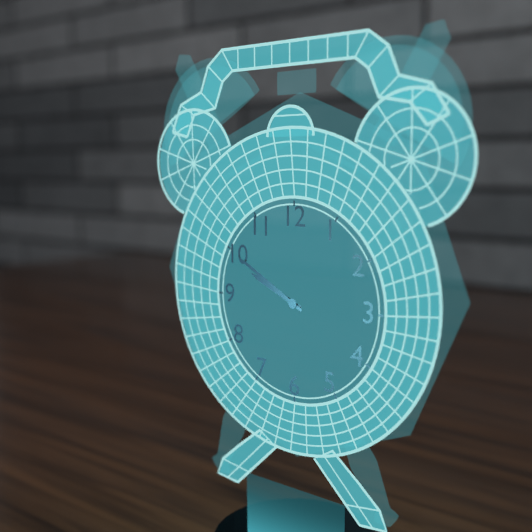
9:50
